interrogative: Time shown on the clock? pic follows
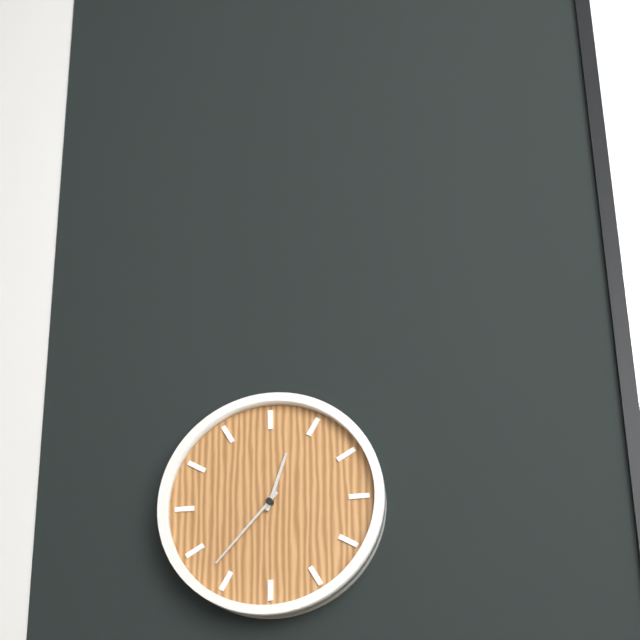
12:37
